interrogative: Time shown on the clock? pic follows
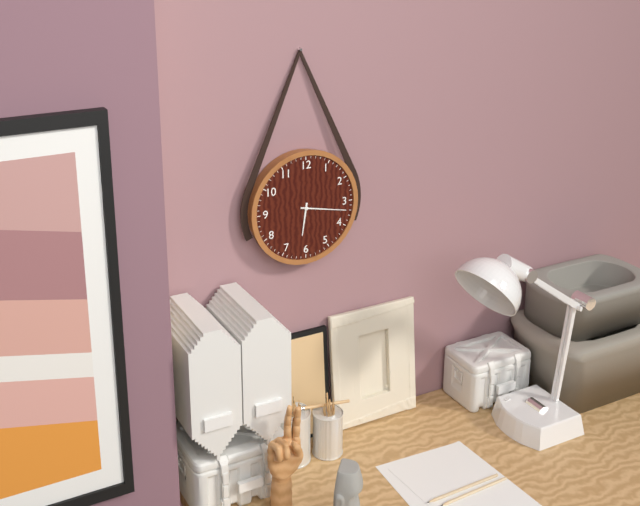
6:17
